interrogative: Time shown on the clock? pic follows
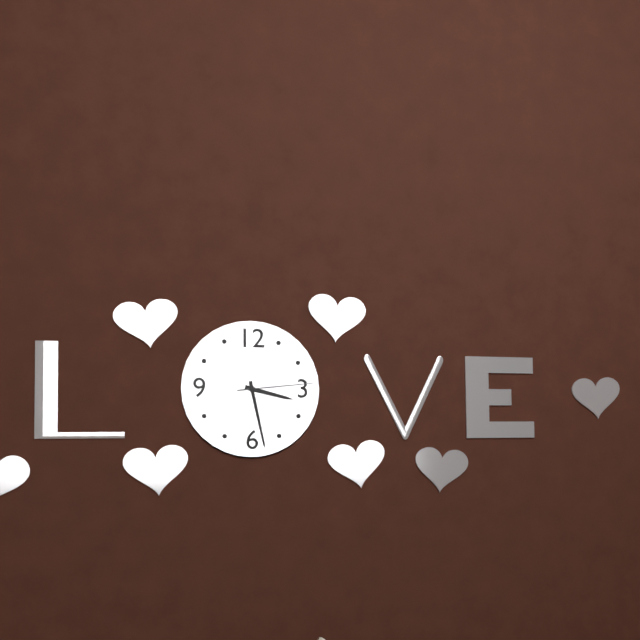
3:28:14
